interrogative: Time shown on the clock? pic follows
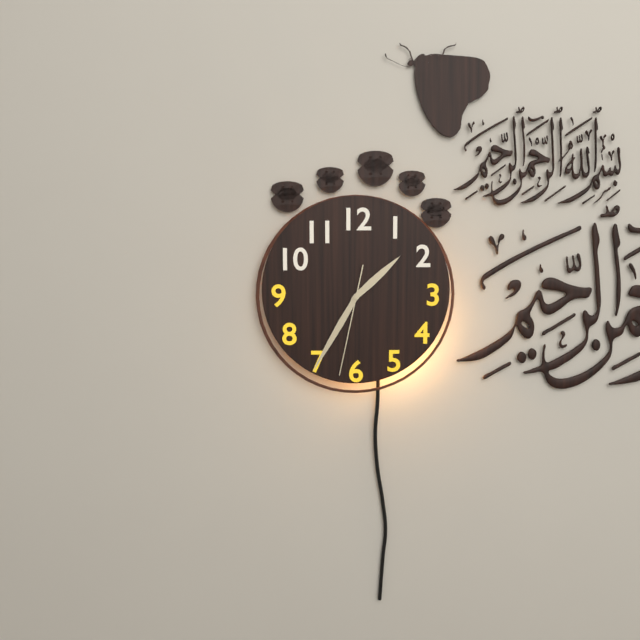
1:35:32
